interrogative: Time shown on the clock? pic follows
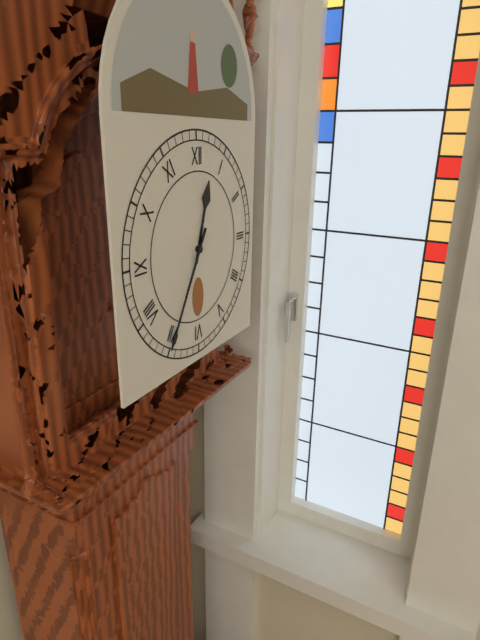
12:35
